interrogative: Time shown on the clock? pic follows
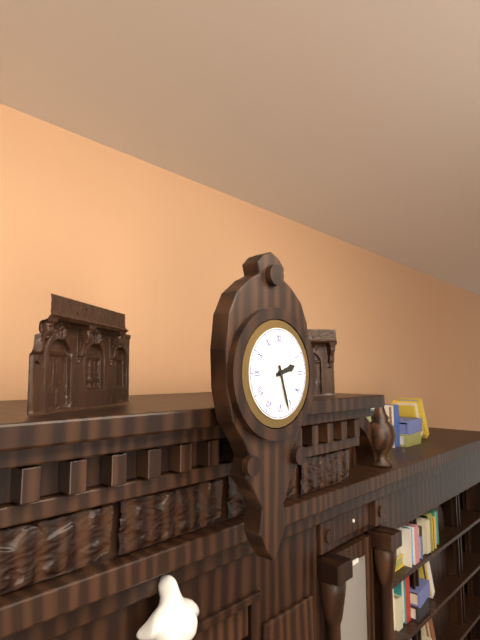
2:27
